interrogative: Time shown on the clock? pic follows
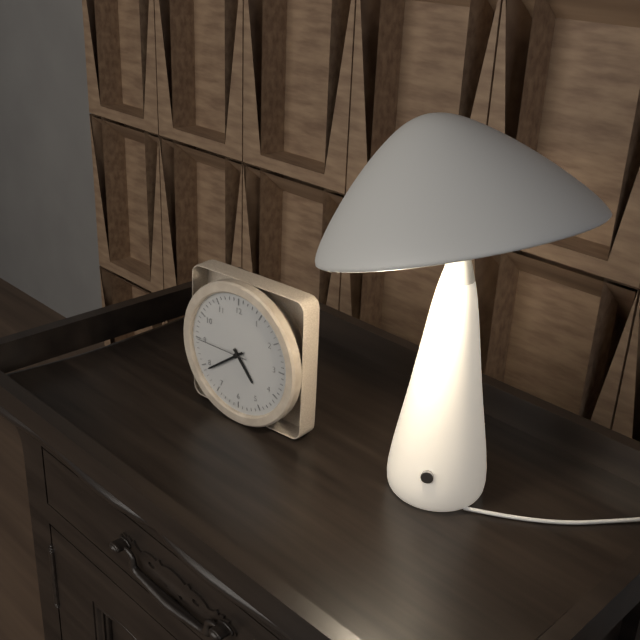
4:39:45
